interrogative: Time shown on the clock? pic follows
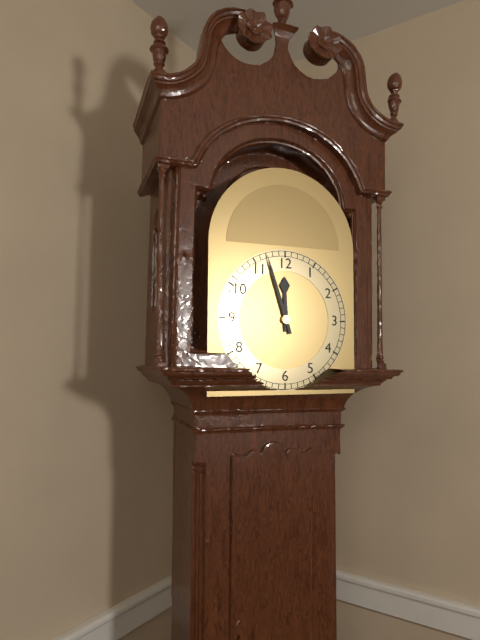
11:57
